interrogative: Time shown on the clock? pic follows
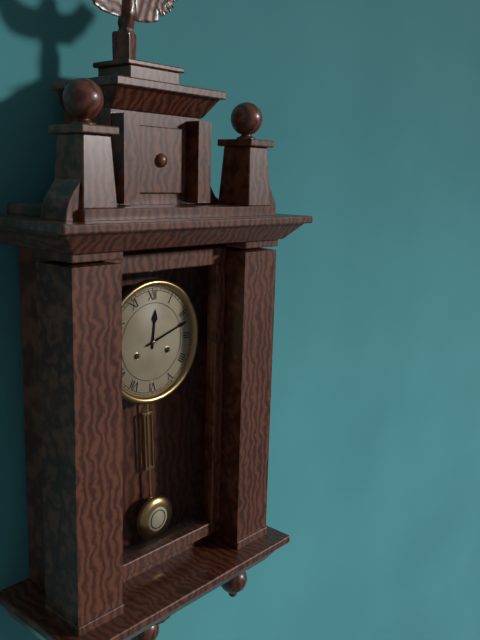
12:12
